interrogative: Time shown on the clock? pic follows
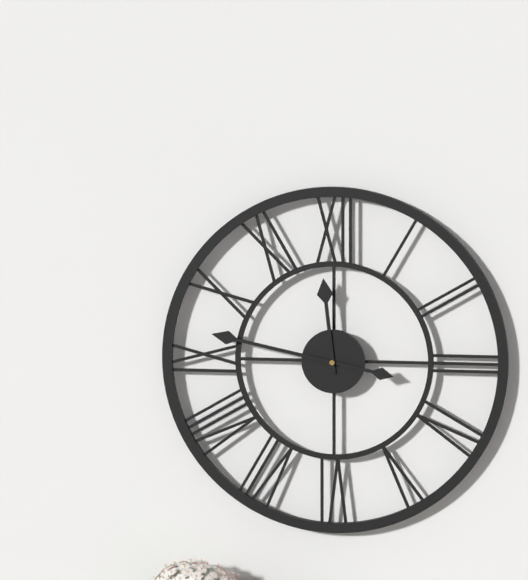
11:47
